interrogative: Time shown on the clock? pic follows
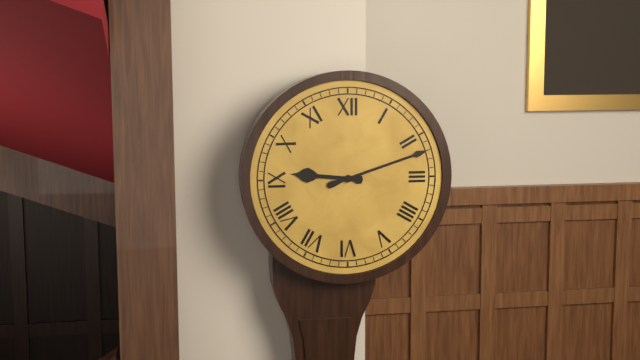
9:12
